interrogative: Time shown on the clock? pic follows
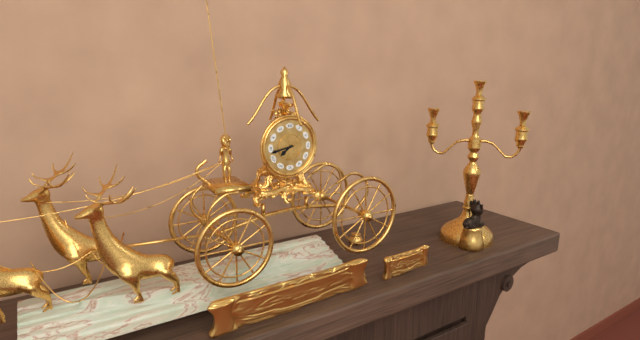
7:43
